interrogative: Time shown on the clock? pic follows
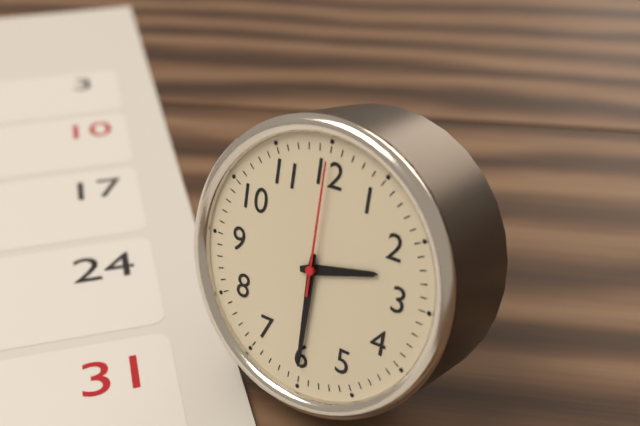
2:30:00
